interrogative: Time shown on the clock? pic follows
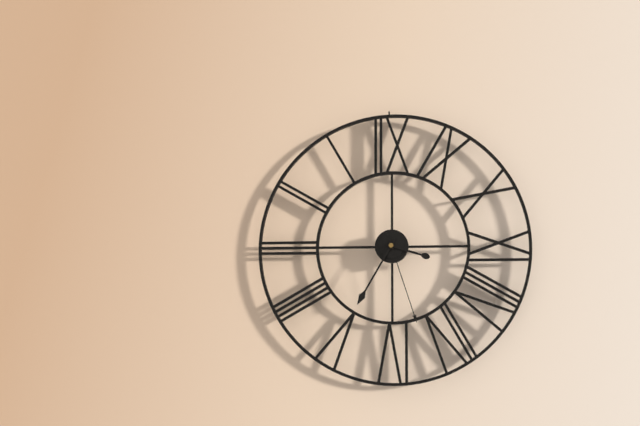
3:35:27
